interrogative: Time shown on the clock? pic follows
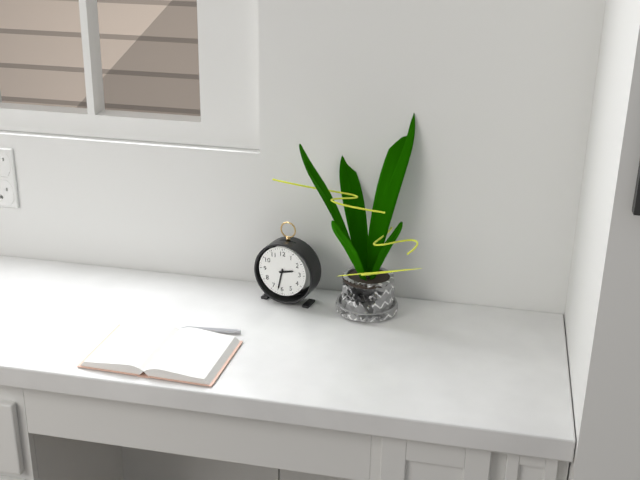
2:32
